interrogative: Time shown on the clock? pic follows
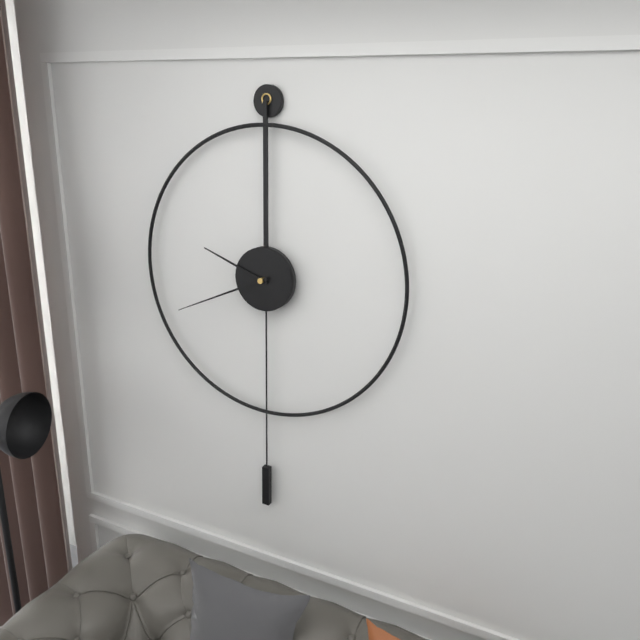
9:41
